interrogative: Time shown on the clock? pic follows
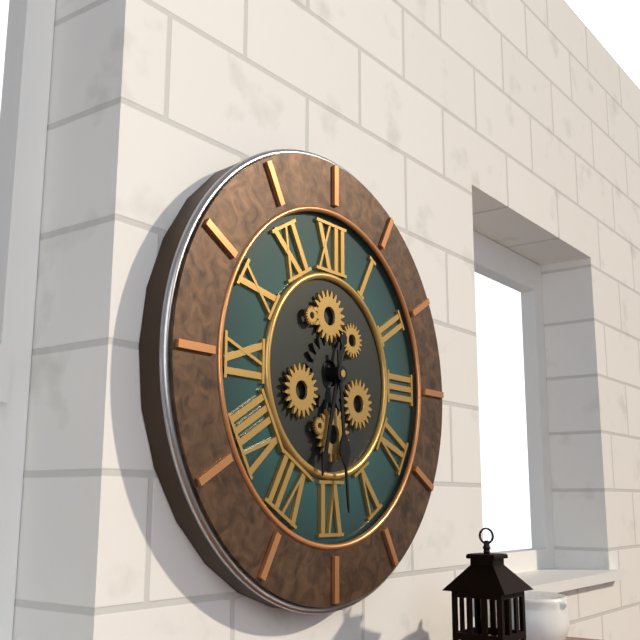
6:29
